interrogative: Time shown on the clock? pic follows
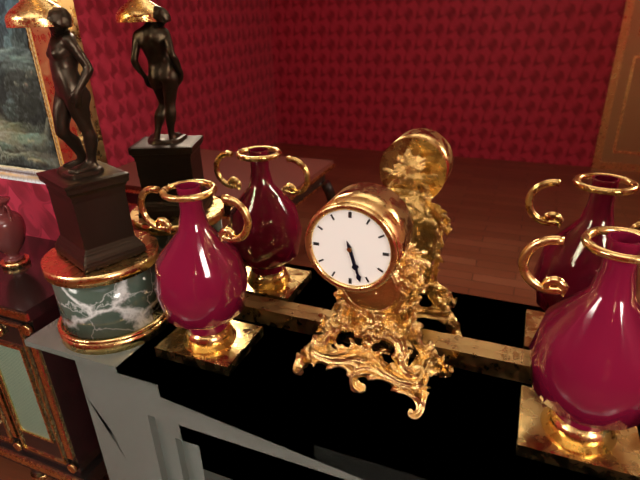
5:27
